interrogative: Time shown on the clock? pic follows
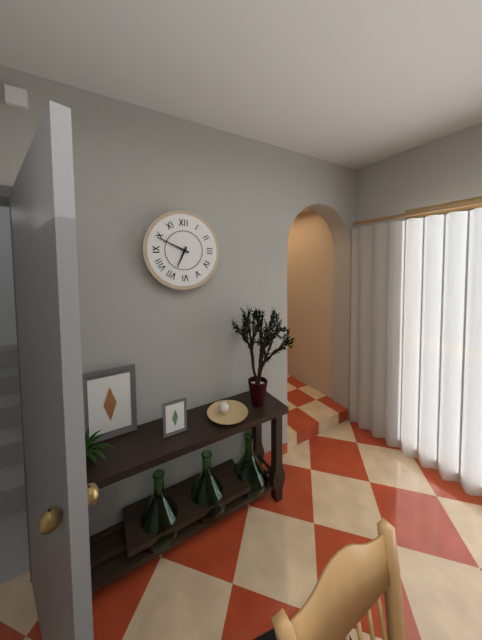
6:49
